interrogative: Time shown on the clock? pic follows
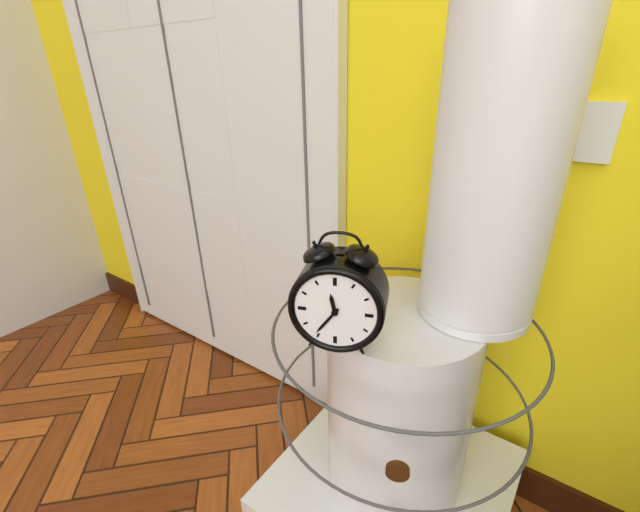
11:36
